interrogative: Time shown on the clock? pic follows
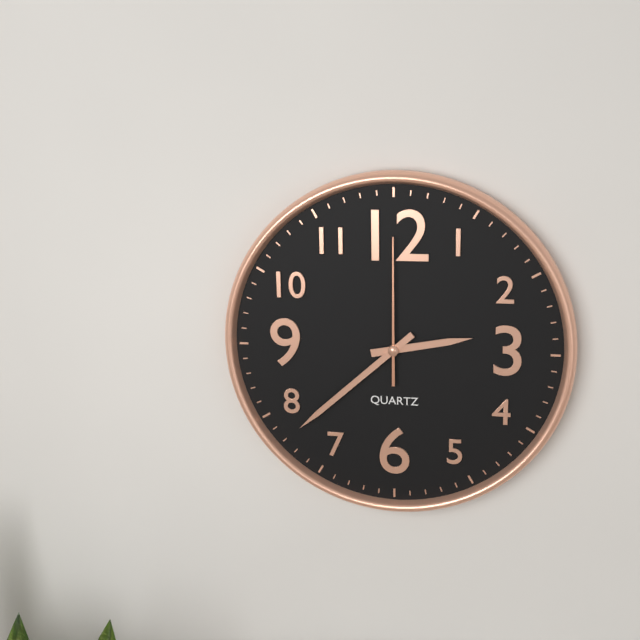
2:38:00
